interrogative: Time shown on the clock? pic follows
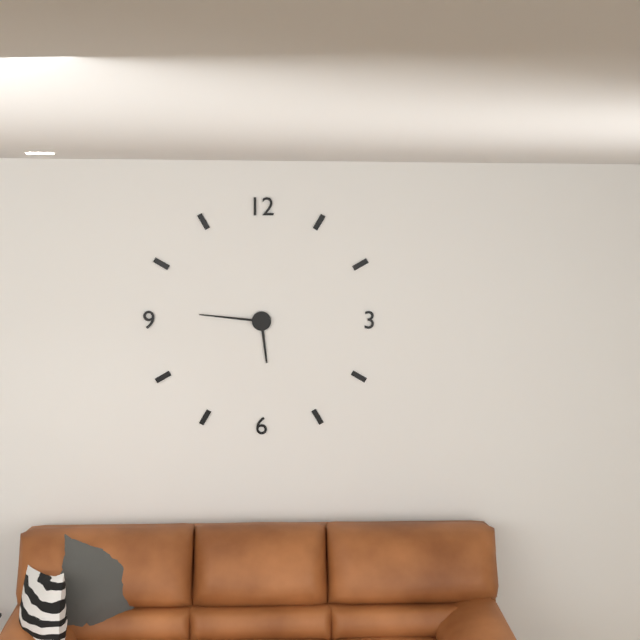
5:46
